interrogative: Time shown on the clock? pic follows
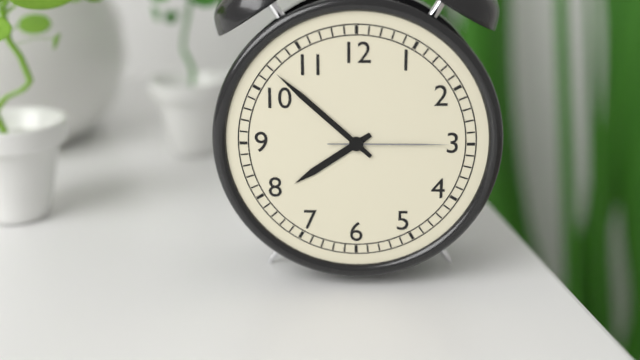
7:52:15
